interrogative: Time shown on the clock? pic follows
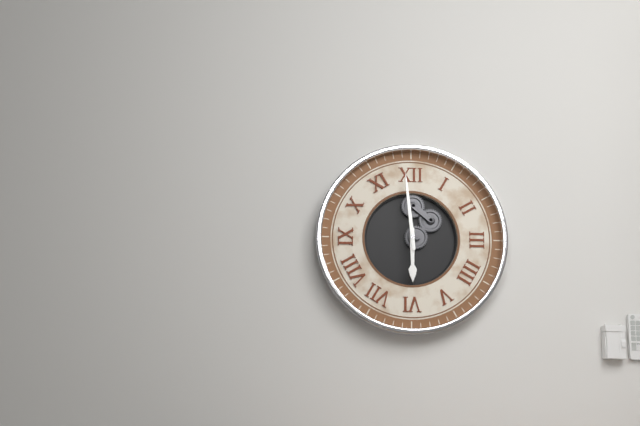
5:59
